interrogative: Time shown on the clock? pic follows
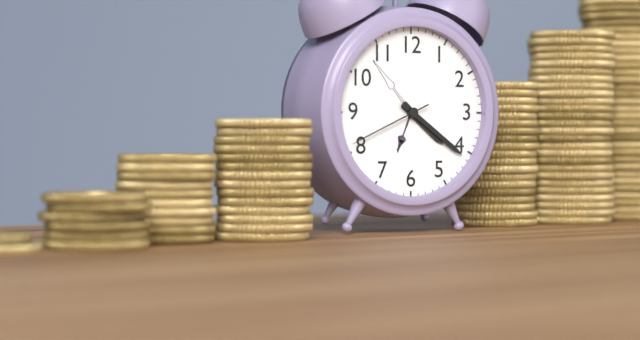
4:21:41
